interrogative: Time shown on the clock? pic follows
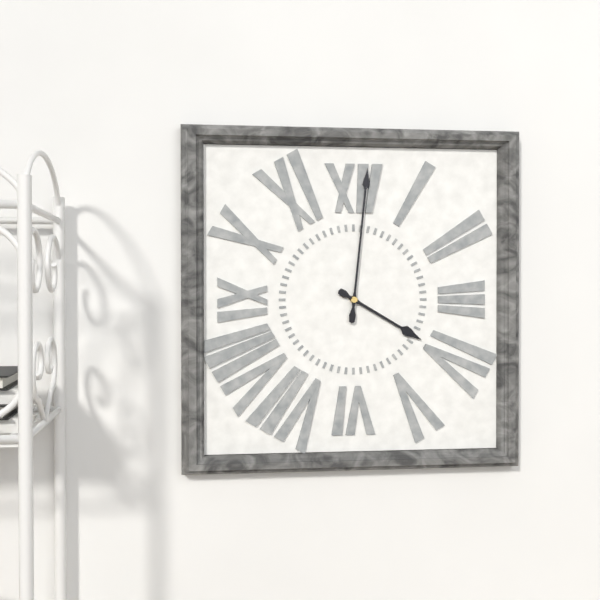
4:01
